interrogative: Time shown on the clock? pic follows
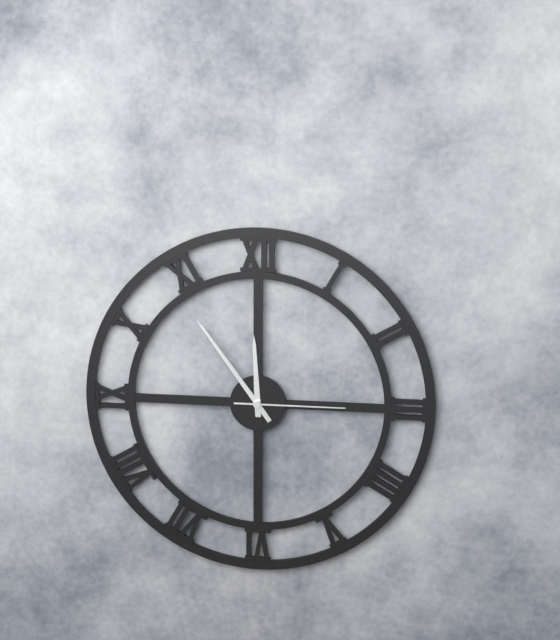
11:54:15
